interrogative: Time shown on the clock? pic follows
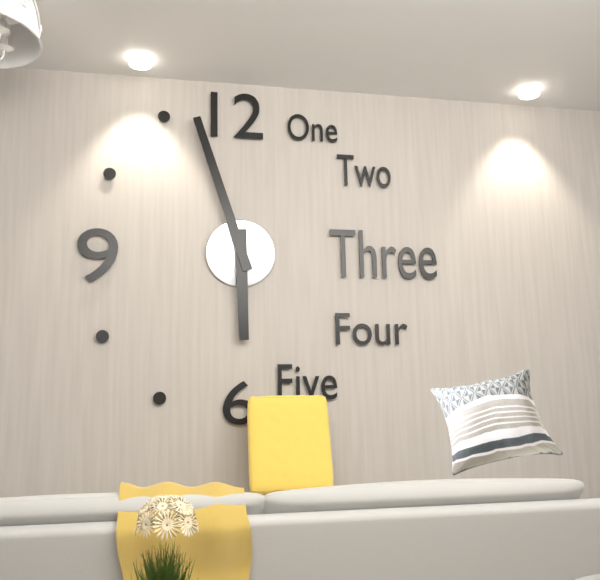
5:57
